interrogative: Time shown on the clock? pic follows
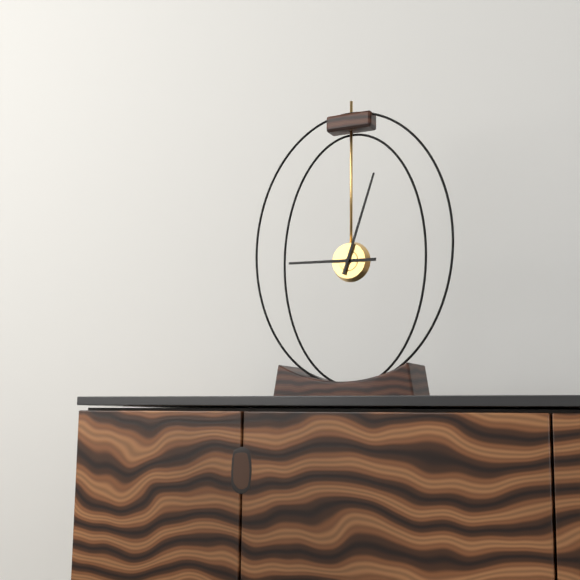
9:03
